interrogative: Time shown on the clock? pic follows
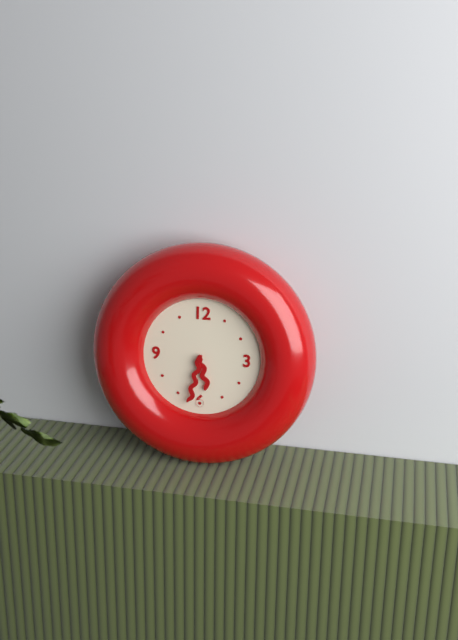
5:32
